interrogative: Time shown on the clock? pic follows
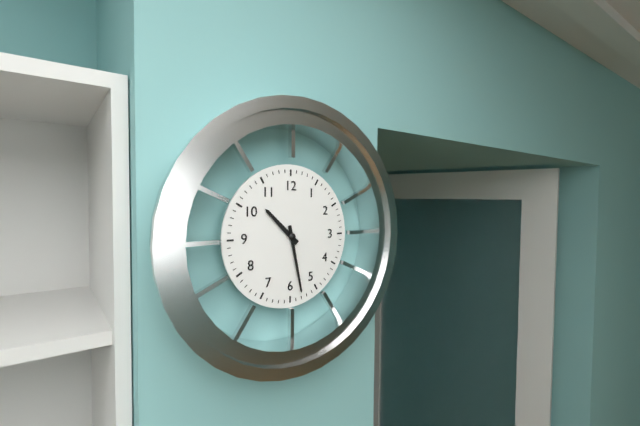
10:28
